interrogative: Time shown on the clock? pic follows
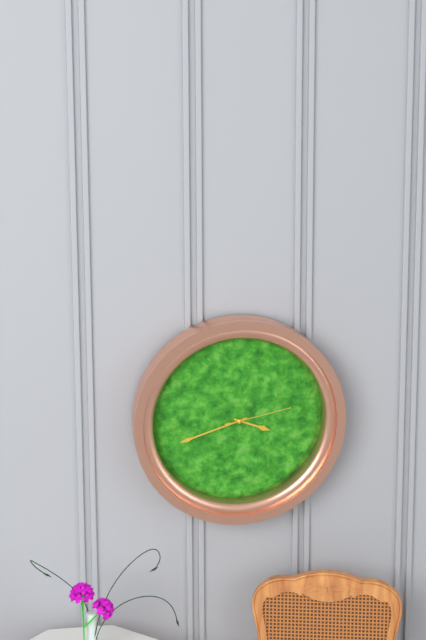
3:42:13
